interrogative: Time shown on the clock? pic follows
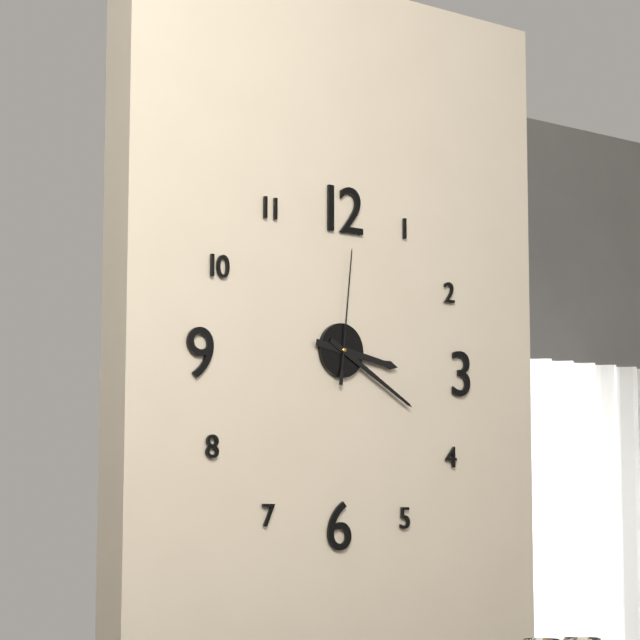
3:20:01
